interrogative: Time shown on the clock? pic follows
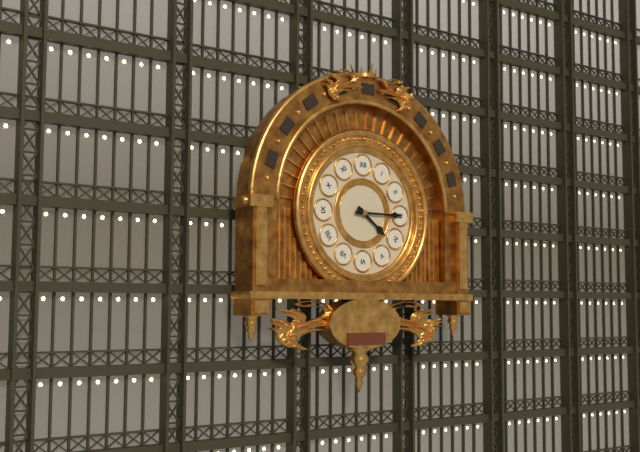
4:15
